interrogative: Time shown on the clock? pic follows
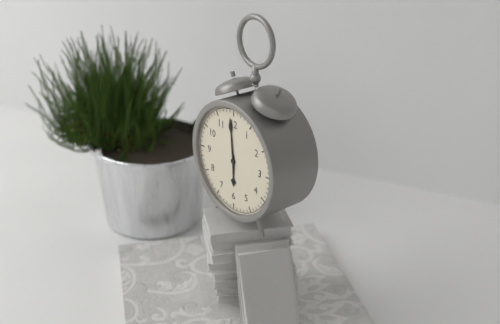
5:59
